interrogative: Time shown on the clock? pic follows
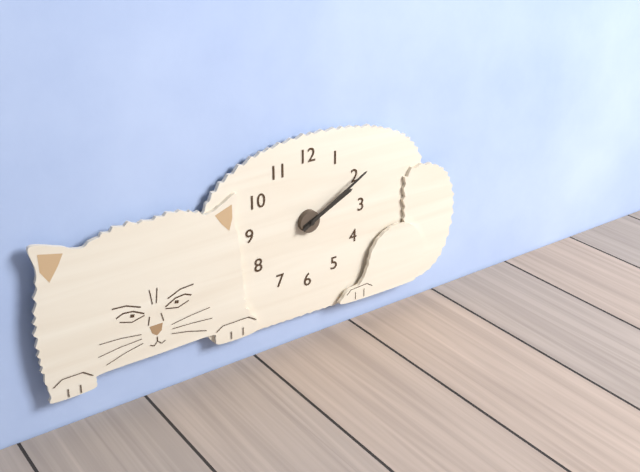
2:10
